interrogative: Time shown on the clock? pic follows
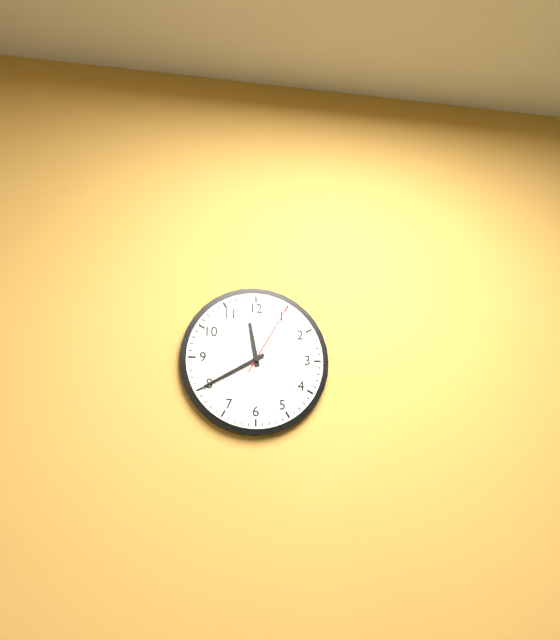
11:40:05
